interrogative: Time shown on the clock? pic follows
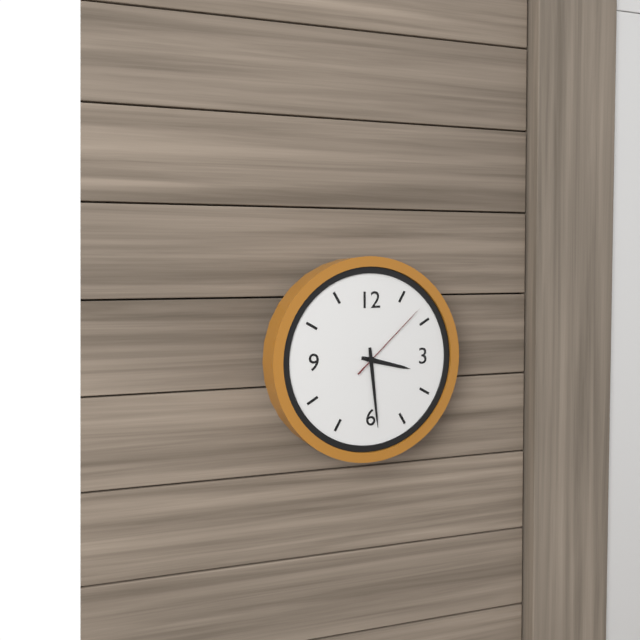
3:29:08
